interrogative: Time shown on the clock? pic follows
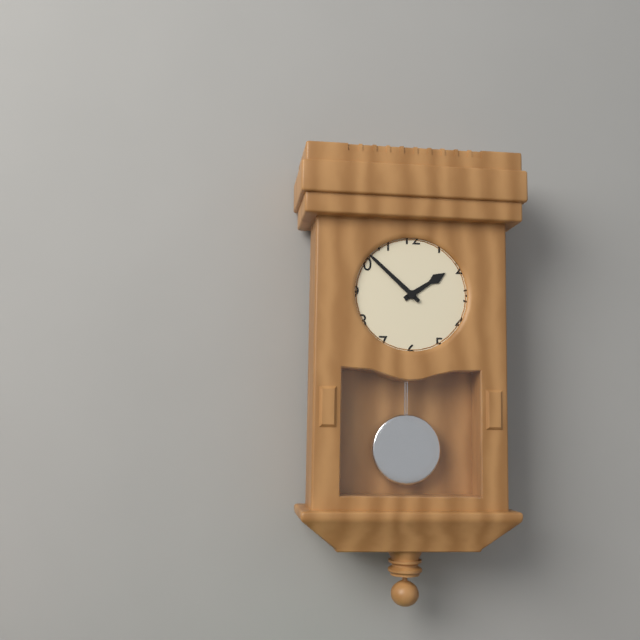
1:52
